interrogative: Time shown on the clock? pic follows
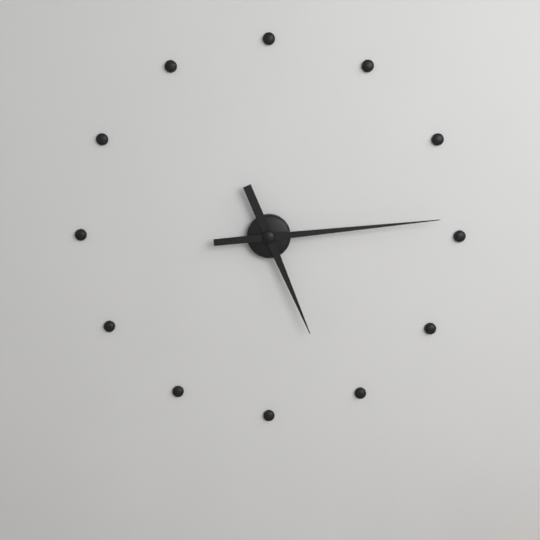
5:14
